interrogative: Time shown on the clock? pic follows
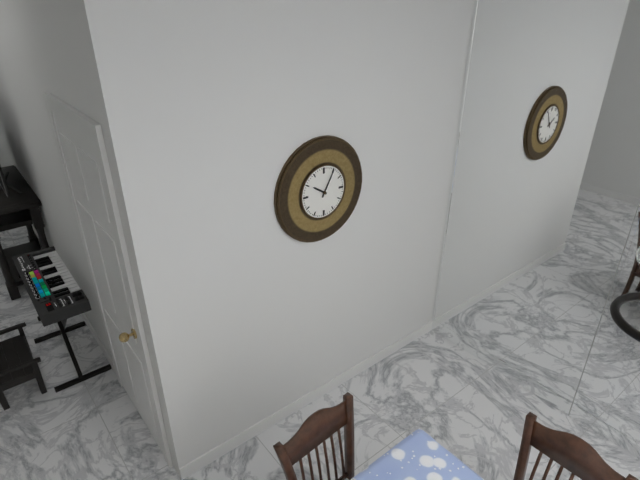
10:05
